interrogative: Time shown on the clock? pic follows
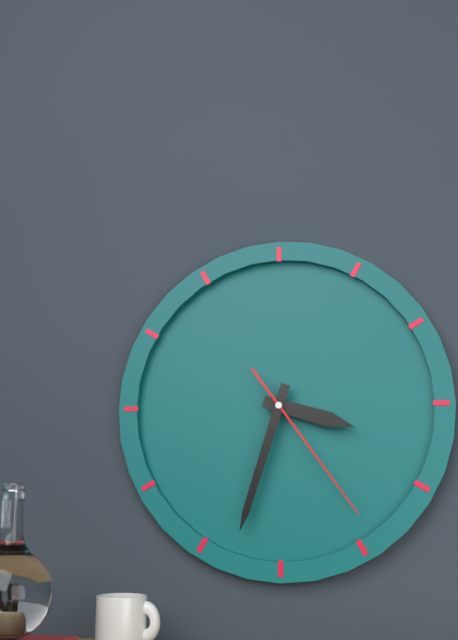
3:33:24
